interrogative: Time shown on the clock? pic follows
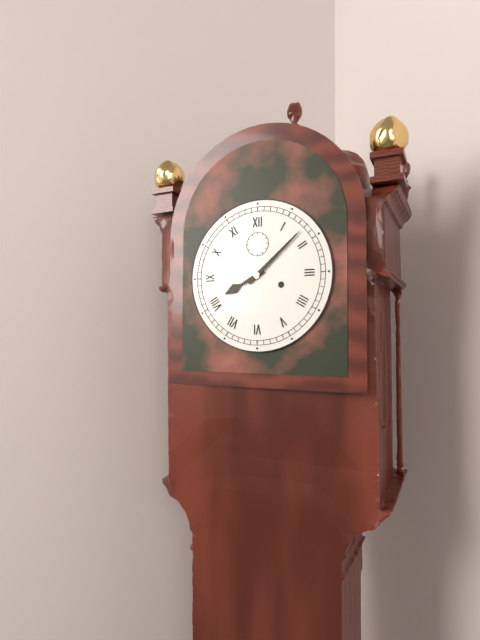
8:08
